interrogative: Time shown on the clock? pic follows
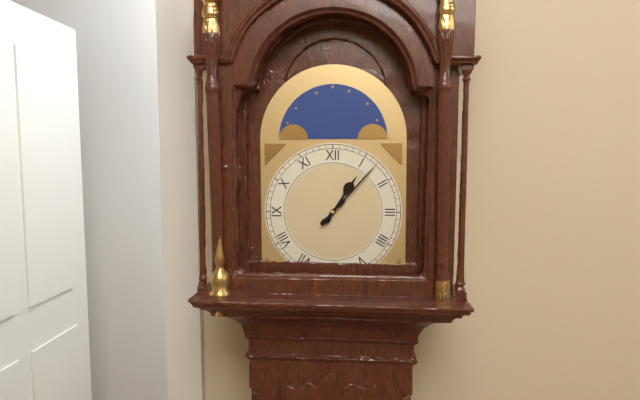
1:07
